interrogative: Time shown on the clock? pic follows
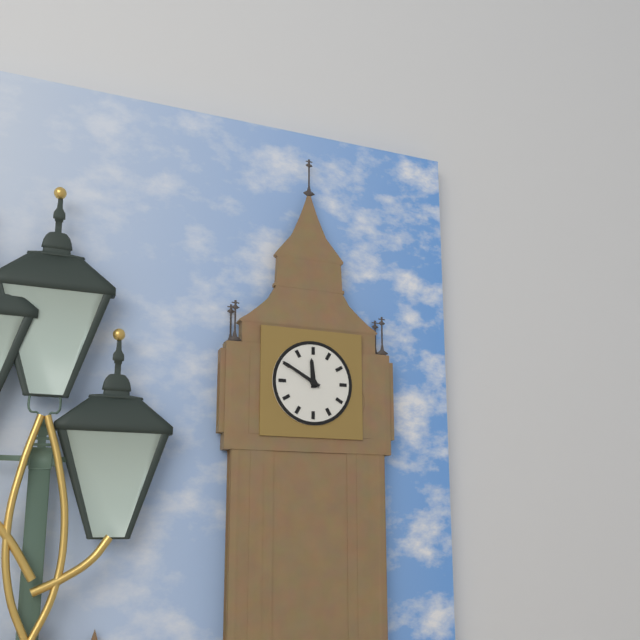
11:50
